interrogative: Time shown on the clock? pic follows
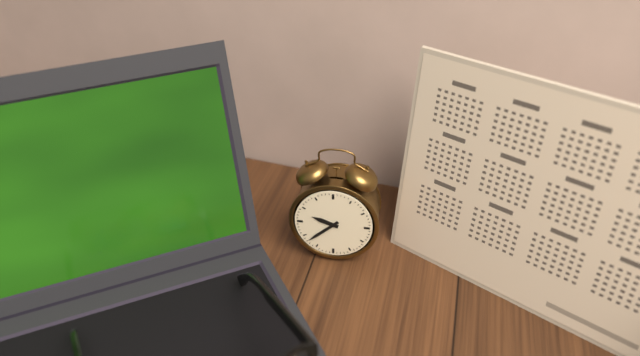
9:38
